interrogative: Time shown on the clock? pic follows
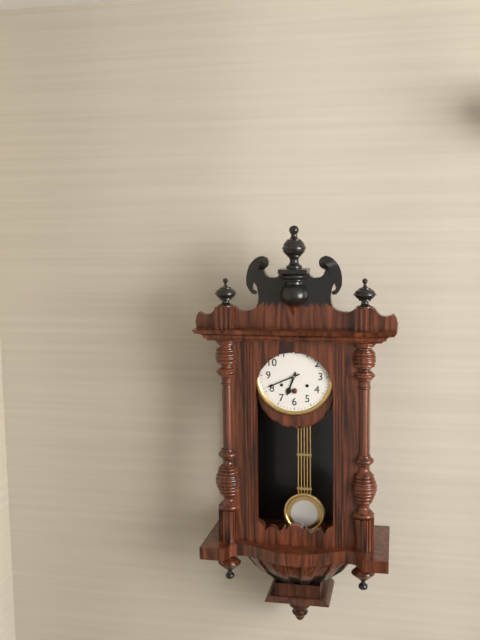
6:41
